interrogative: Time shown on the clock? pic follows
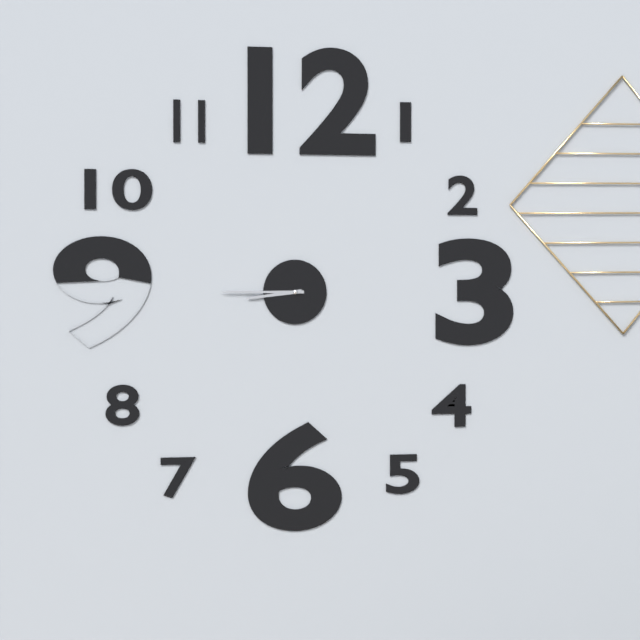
8:45
